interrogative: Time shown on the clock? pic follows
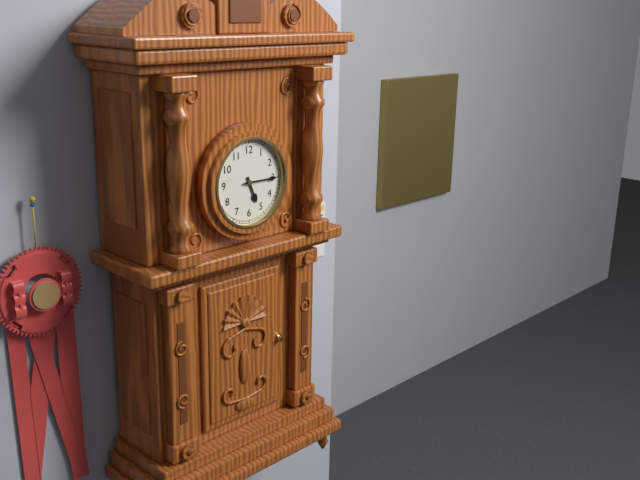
5:15
